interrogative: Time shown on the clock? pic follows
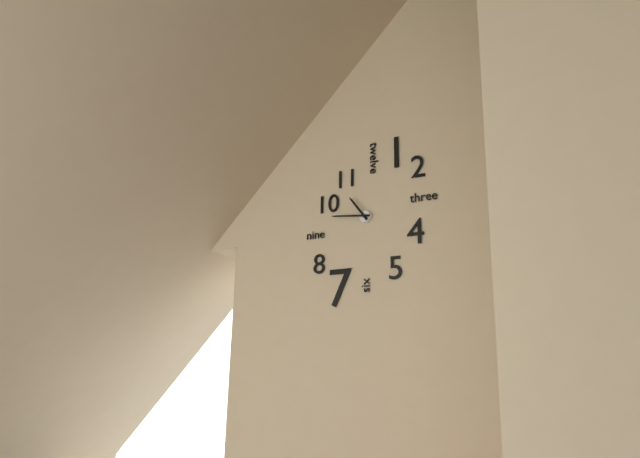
10:46
